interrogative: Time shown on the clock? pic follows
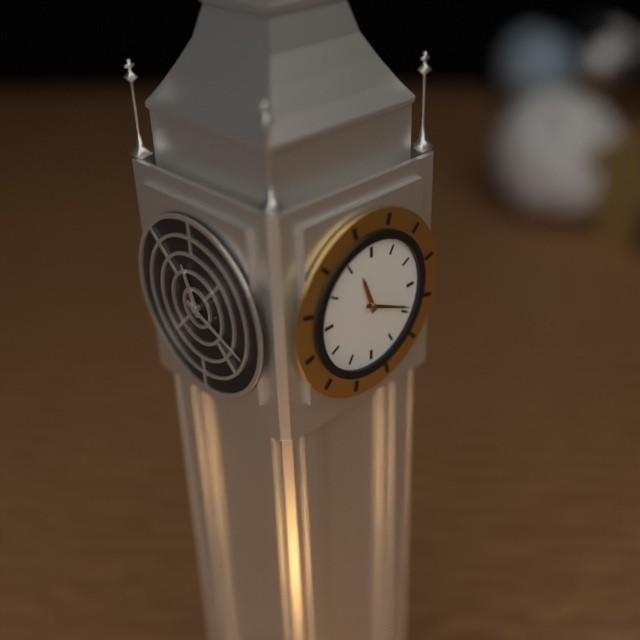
11:19
